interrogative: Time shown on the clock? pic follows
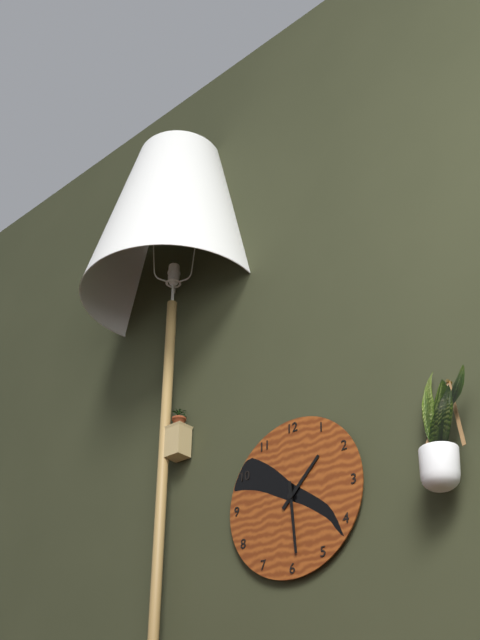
1:29
